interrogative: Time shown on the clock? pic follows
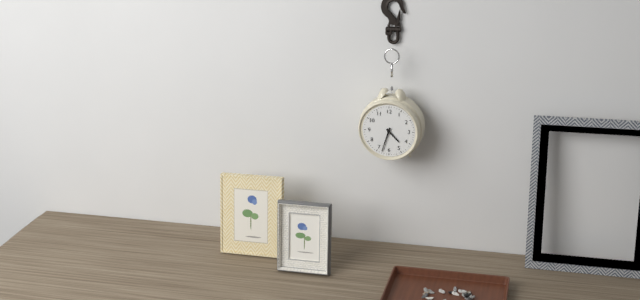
4:33
